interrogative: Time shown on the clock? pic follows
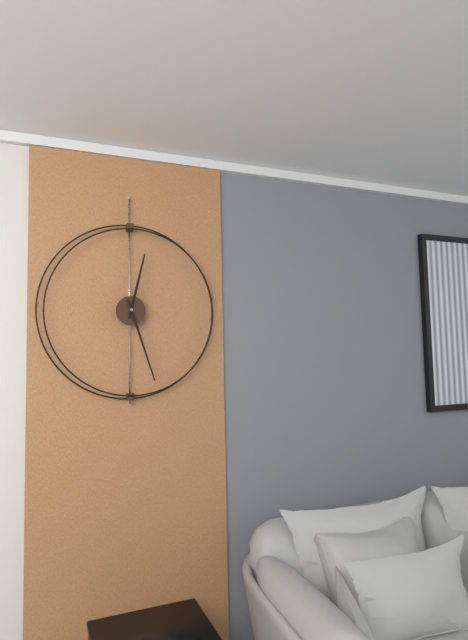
12:27
